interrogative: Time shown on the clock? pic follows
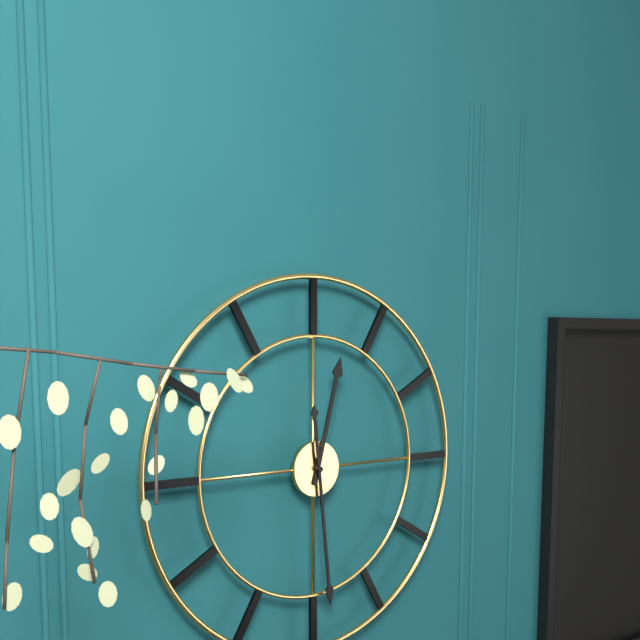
12:29
